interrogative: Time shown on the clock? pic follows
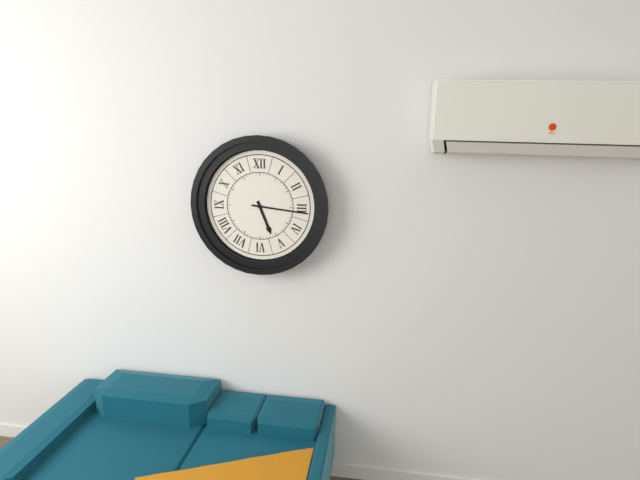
5:16
